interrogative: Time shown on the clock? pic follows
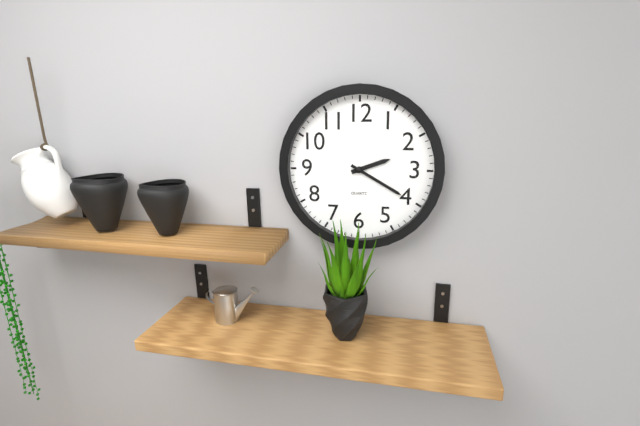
2:20
